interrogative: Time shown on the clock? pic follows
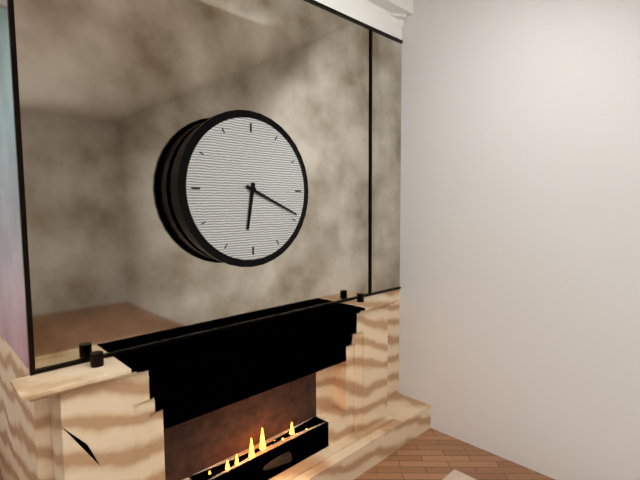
6:19
